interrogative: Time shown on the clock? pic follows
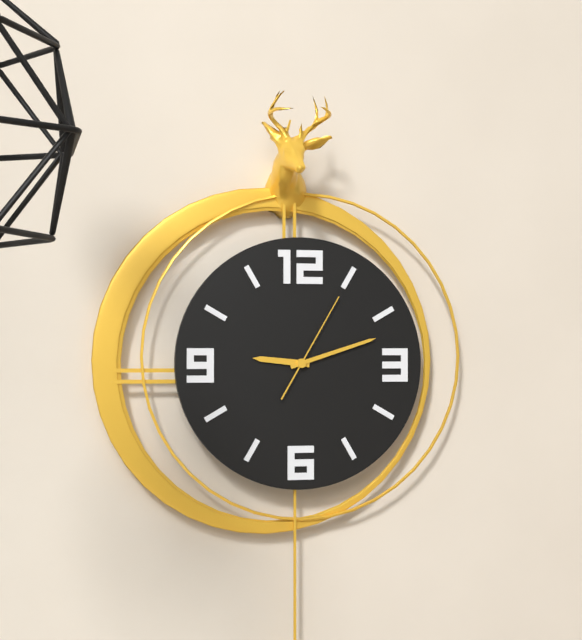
9:12:05
